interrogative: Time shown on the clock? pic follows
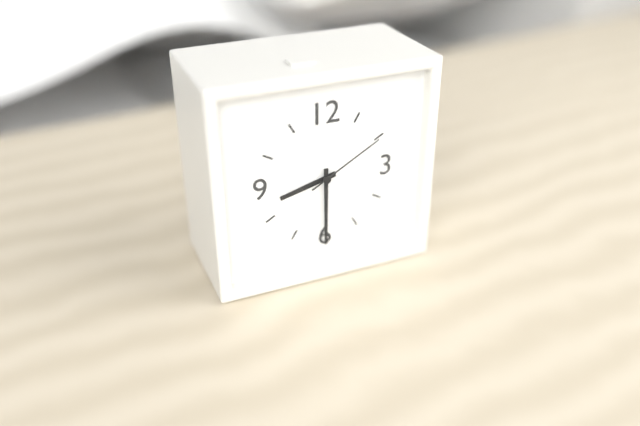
8:30:10
